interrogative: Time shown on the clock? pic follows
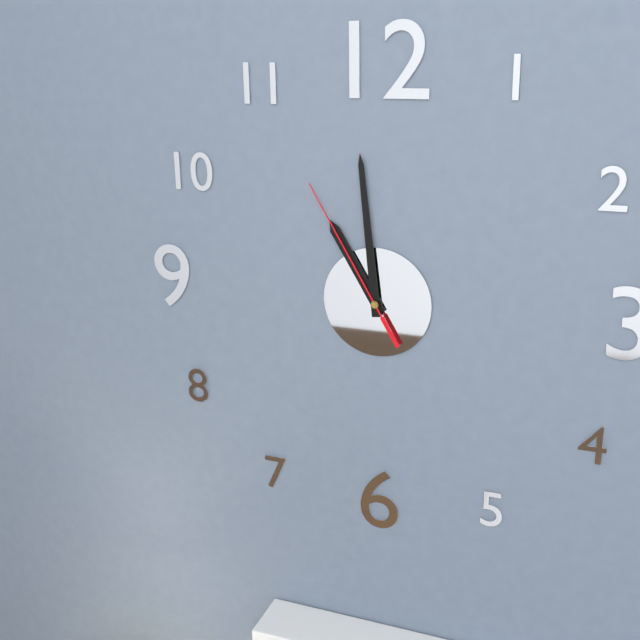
10:59:55
